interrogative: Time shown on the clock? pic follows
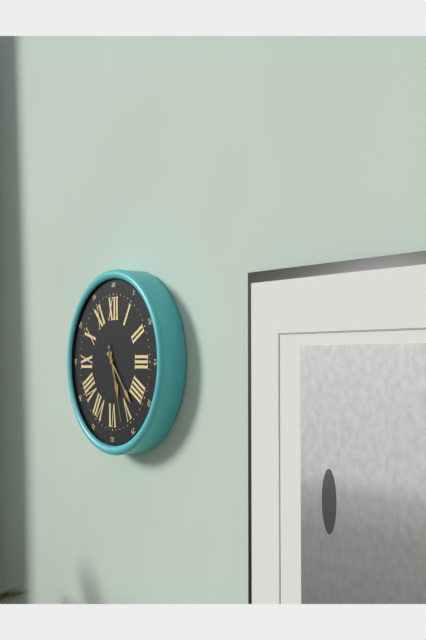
5:23:27
